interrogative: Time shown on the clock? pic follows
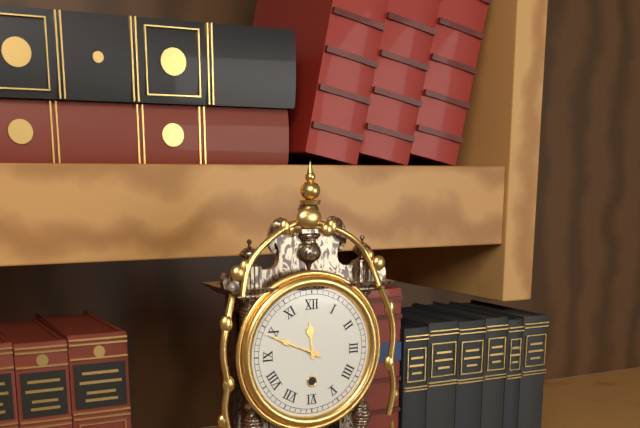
11:49
